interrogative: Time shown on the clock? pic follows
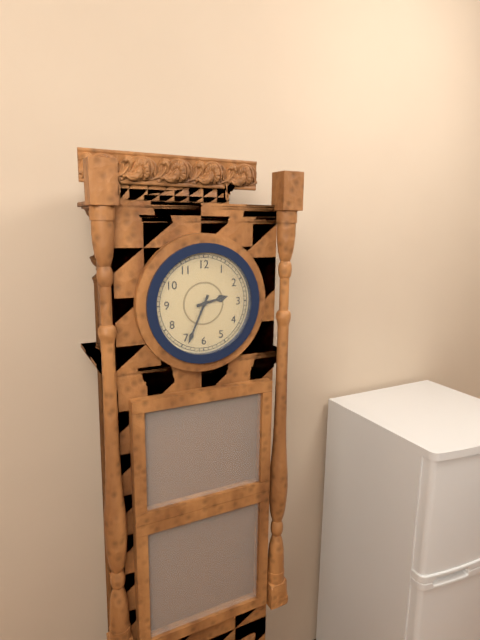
2:34
